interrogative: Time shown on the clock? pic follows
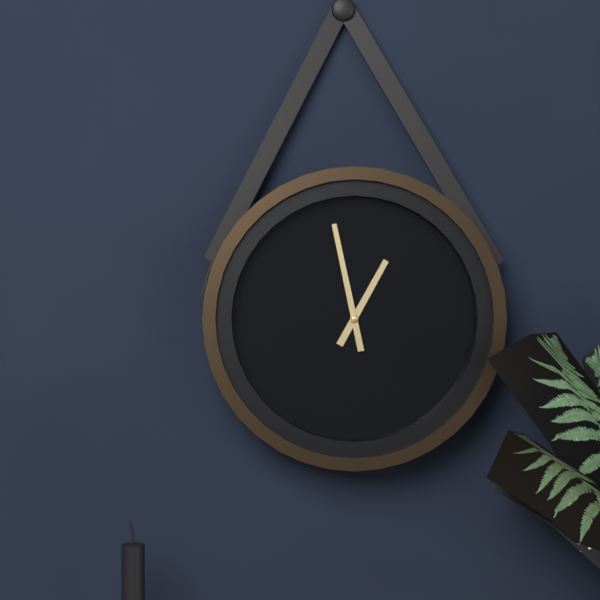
12:58
